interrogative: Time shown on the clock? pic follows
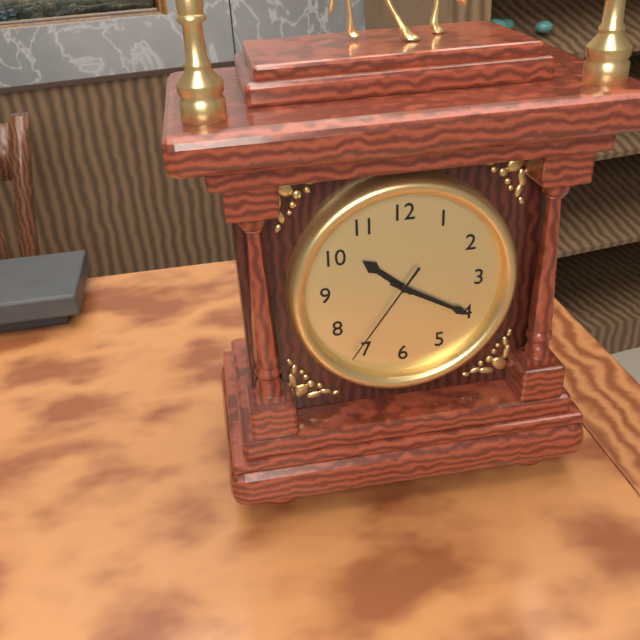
10:20:36
